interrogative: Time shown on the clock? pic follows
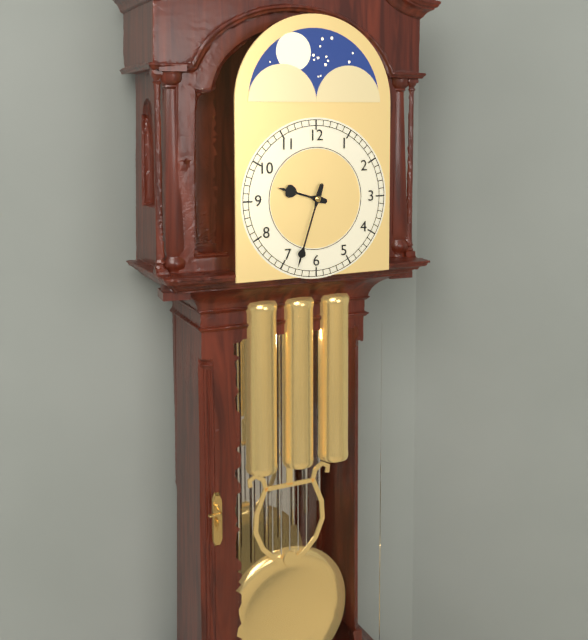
9:33
